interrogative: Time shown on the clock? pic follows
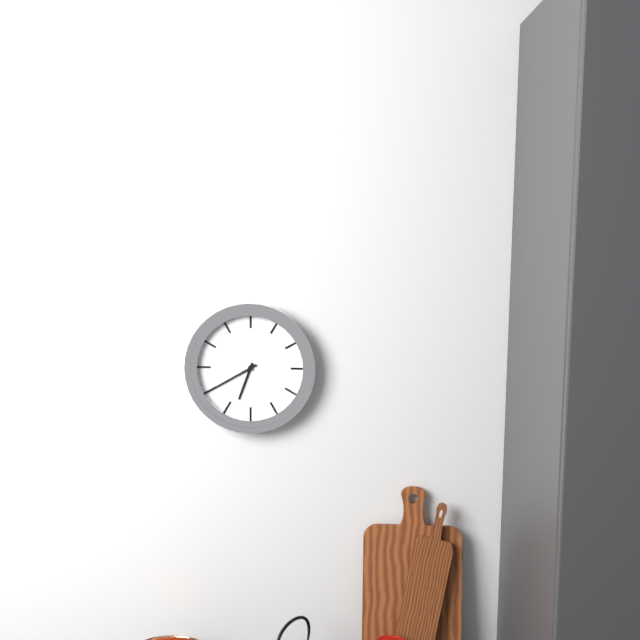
6:40
